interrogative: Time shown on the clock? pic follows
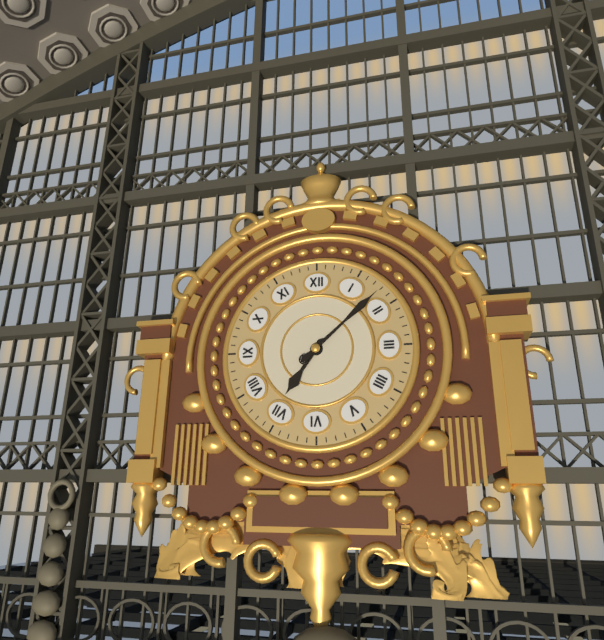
7:08
